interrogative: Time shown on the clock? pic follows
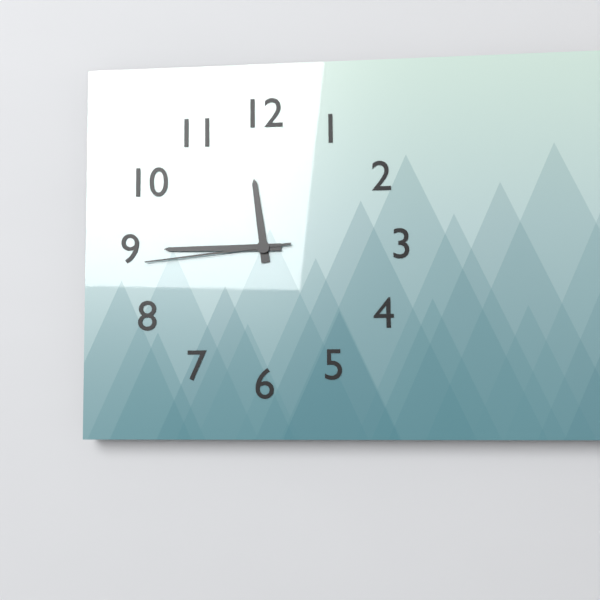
11:45:44
